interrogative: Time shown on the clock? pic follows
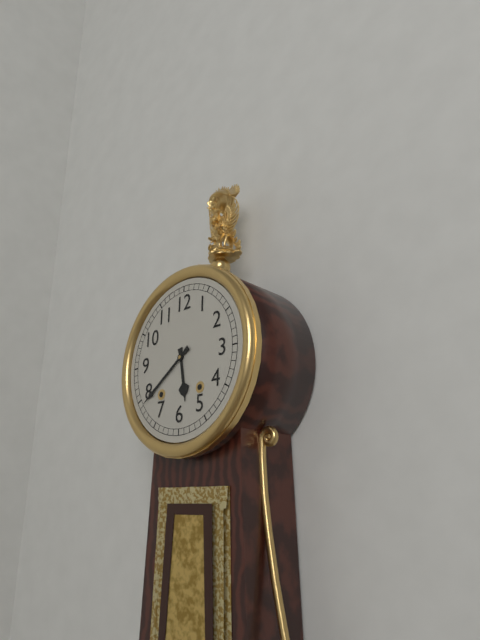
5:39
